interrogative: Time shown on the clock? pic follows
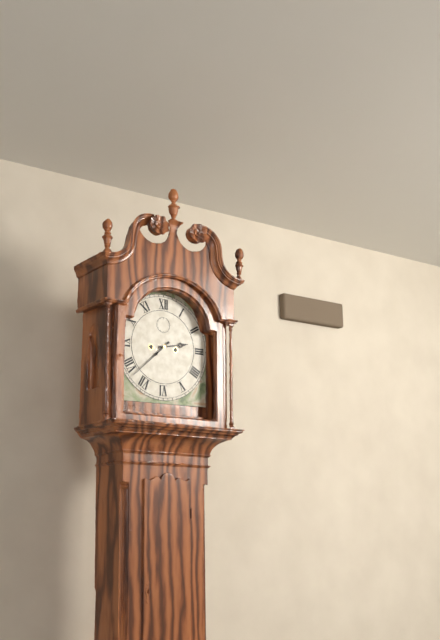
2:38
